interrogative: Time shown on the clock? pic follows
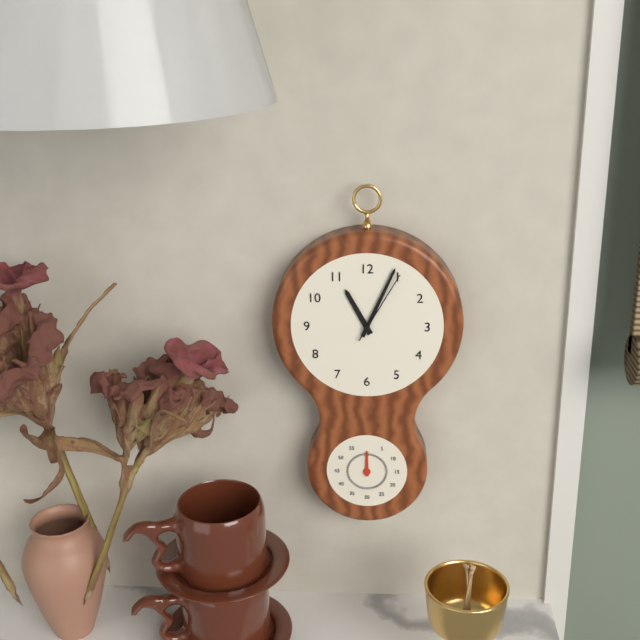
11:04:05
